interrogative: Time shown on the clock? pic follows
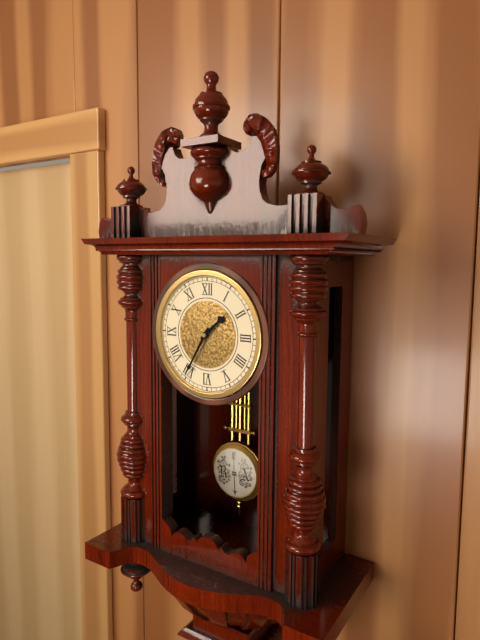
1:35
